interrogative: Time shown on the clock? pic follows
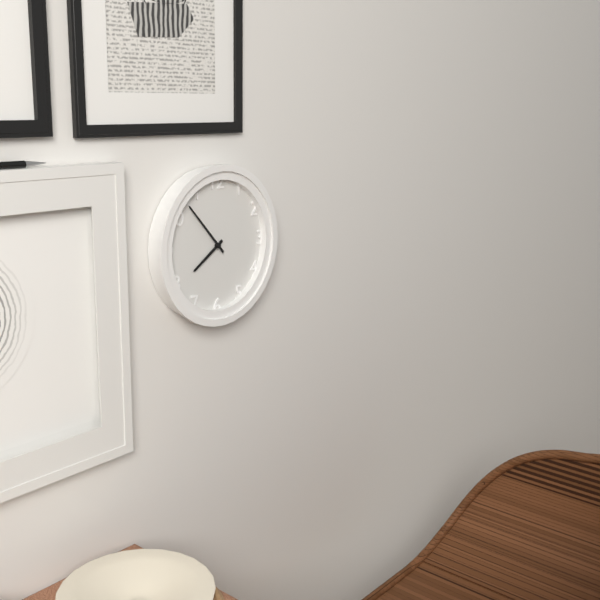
7:53
